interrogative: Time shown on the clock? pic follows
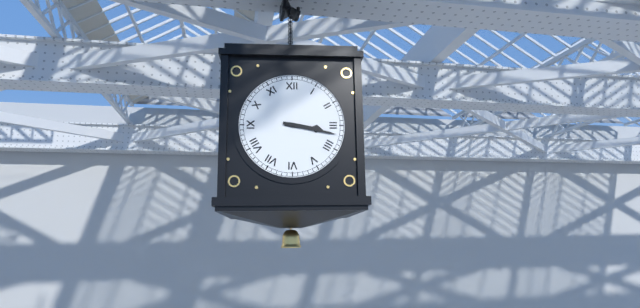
3:17
